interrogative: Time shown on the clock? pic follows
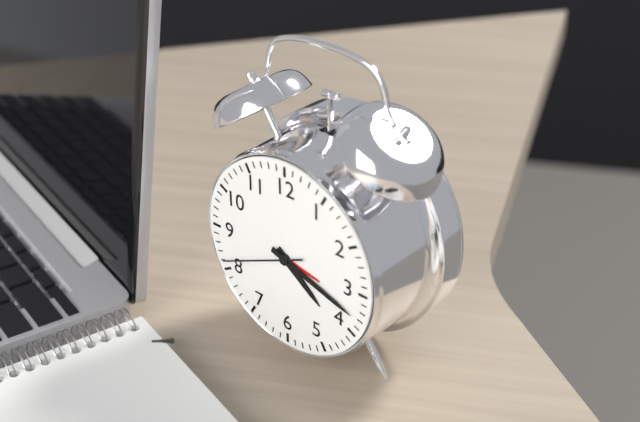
4:18:41
